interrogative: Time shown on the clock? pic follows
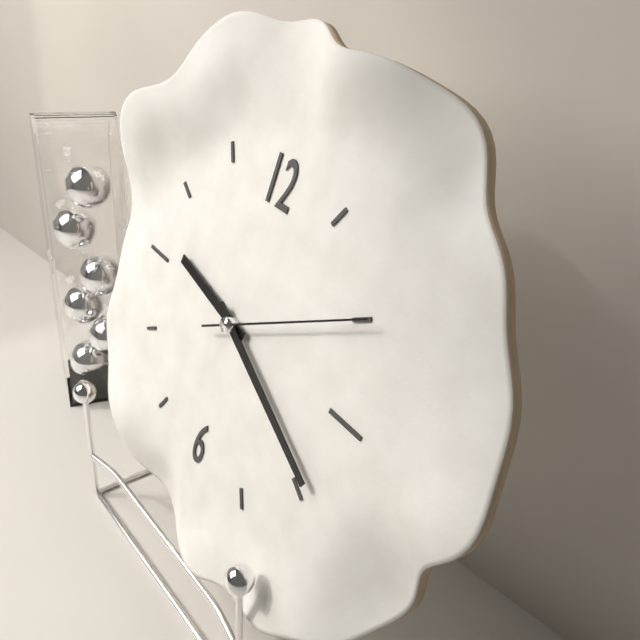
9:19:10
